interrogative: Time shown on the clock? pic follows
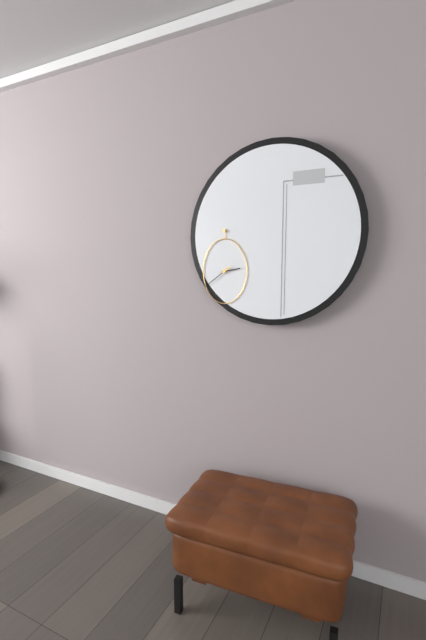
2:39
